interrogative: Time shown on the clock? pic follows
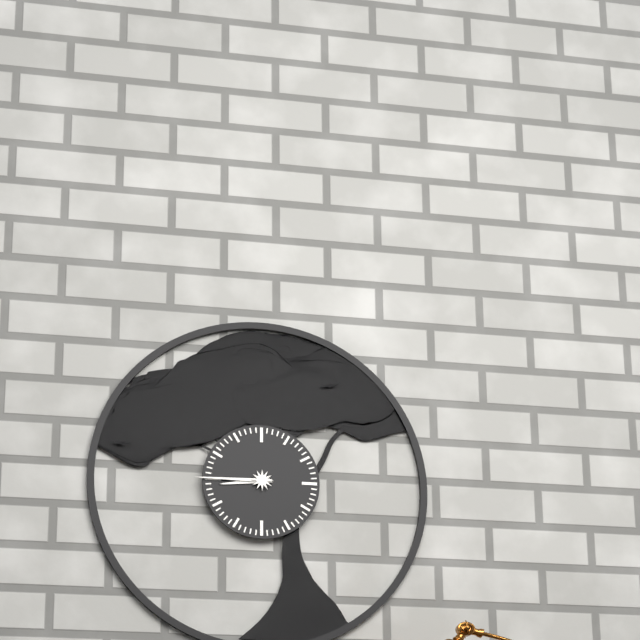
8:45
